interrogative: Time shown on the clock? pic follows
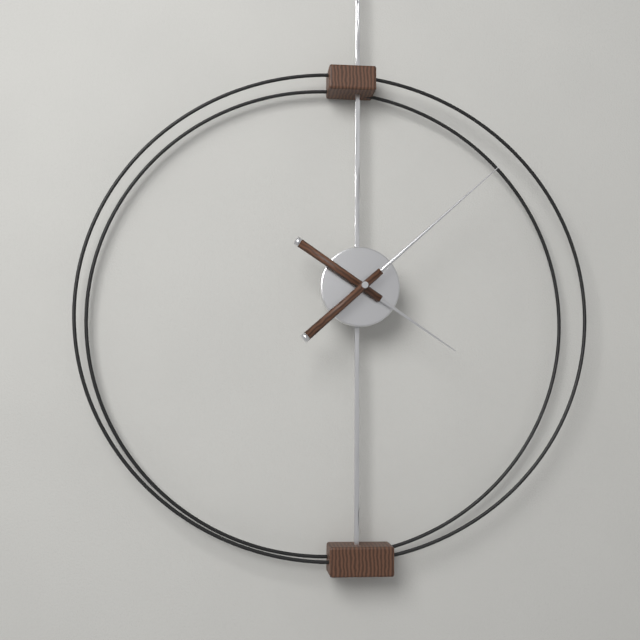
4:08
